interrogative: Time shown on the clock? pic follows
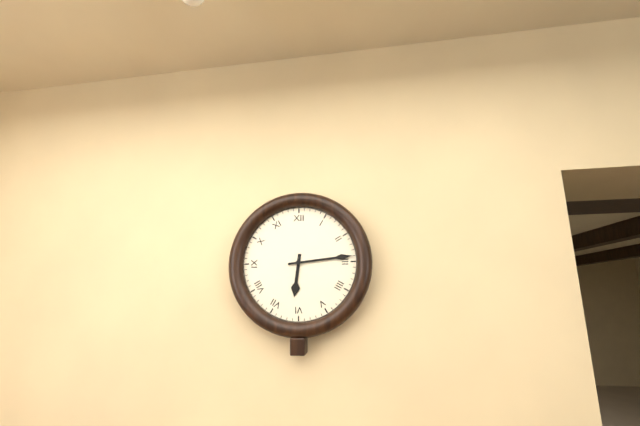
6:14
